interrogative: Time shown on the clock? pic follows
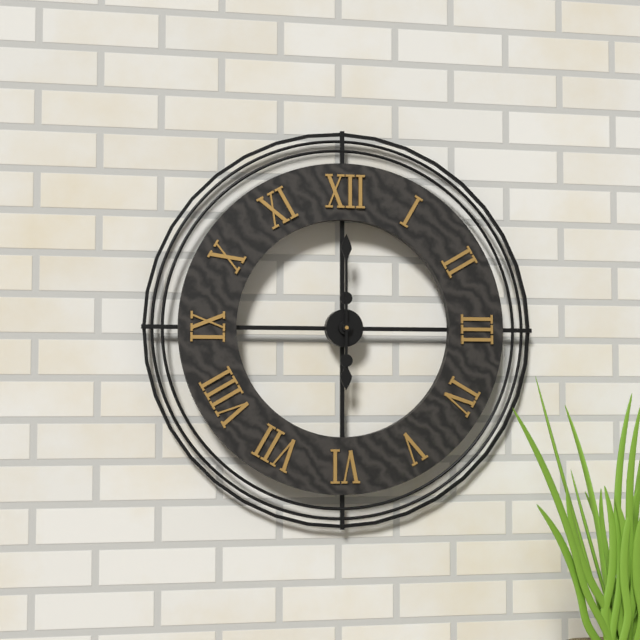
6:00
